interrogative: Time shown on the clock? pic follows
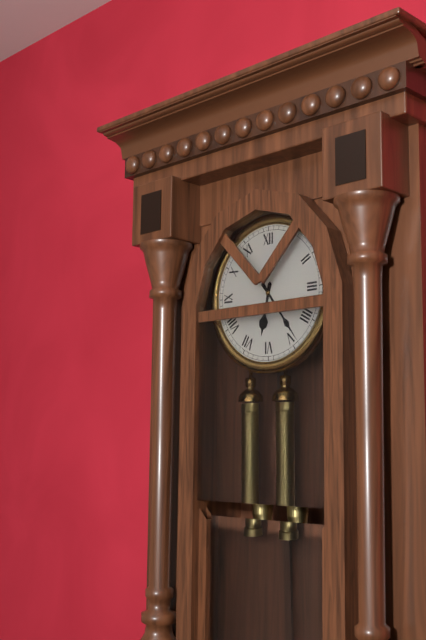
6:24
